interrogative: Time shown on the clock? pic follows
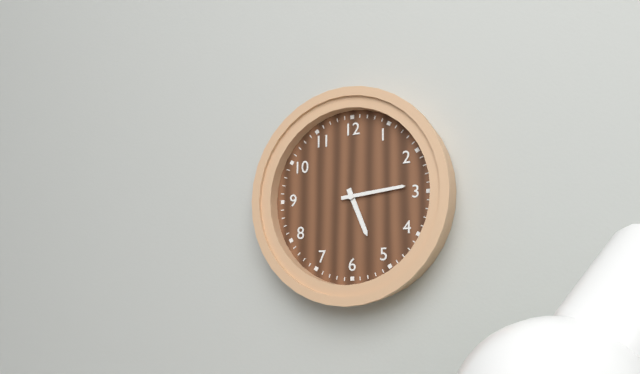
5:14
